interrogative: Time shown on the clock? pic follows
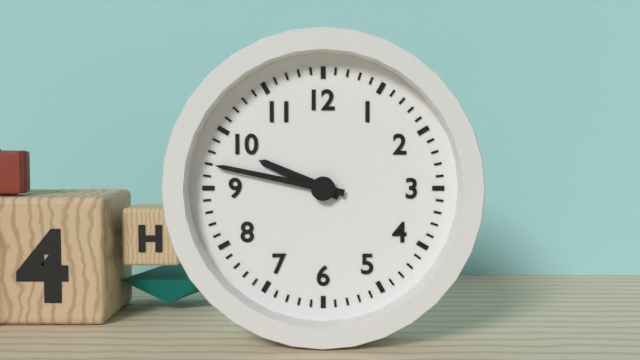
9:47
